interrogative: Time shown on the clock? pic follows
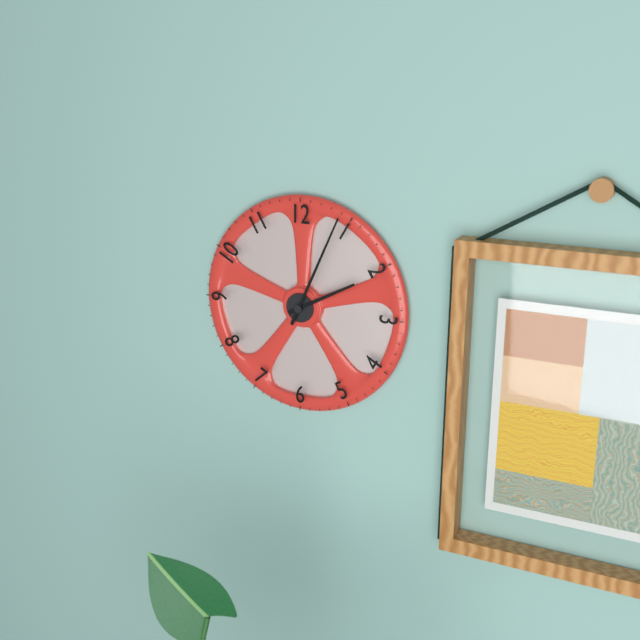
2:04
